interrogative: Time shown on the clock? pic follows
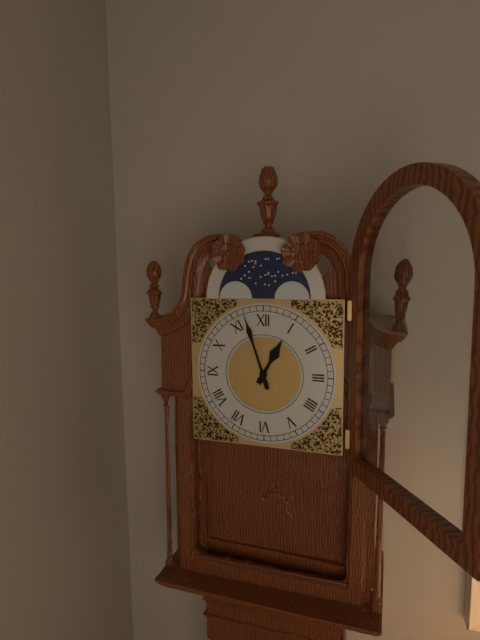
12:57
